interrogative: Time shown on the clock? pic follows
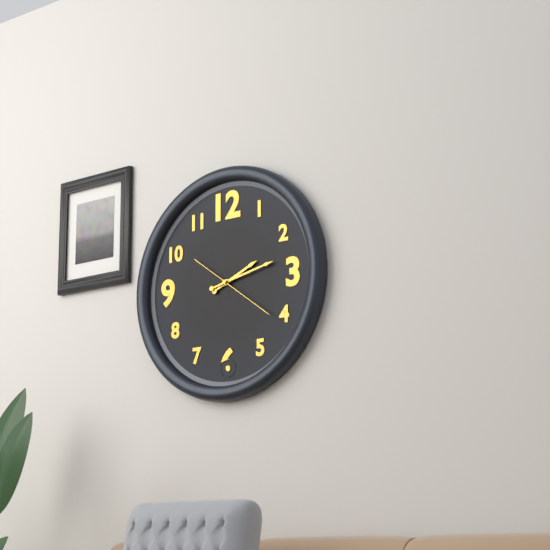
2:13:21
